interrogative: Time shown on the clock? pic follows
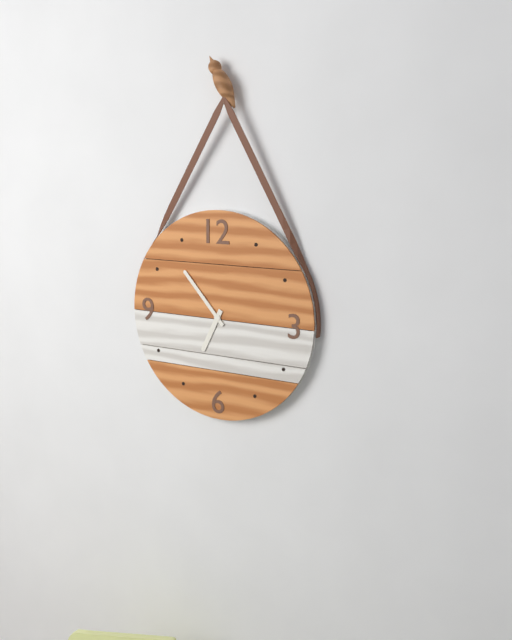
6:53
